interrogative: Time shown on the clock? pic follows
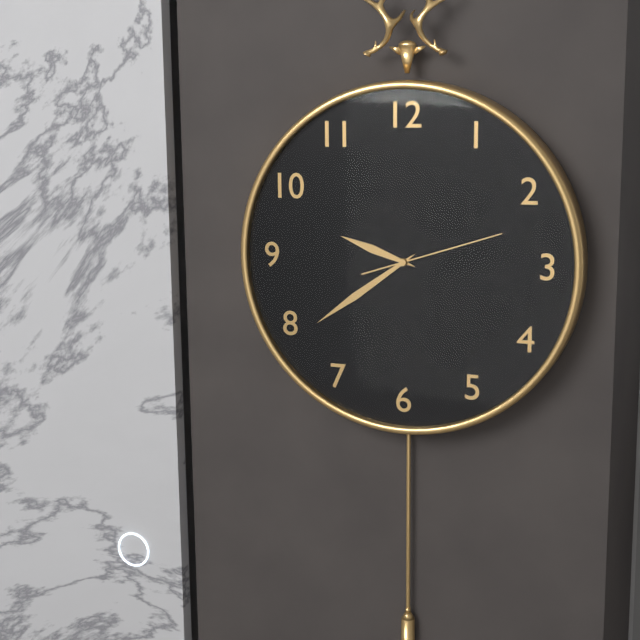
9:39:12
